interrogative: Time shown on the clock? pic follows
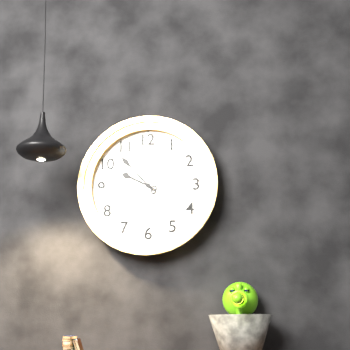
9:53
